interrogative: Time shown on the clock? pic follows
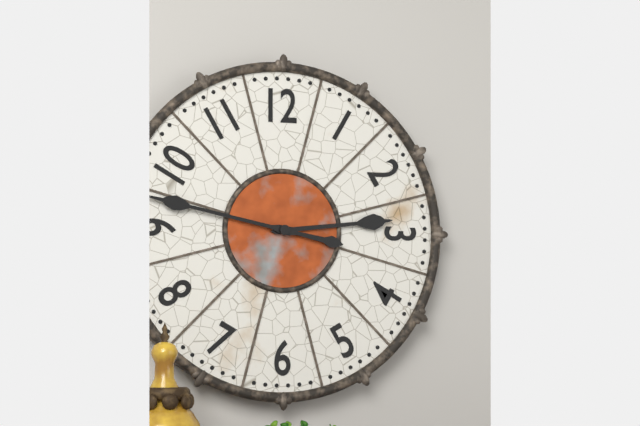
2:47
